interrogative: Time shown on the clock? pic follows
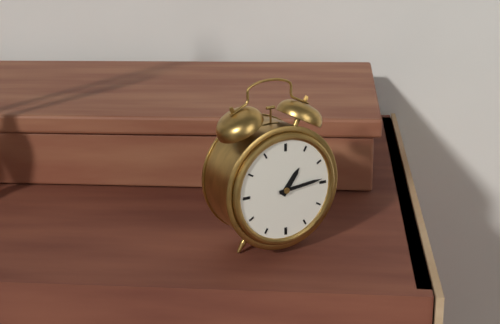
1:14
